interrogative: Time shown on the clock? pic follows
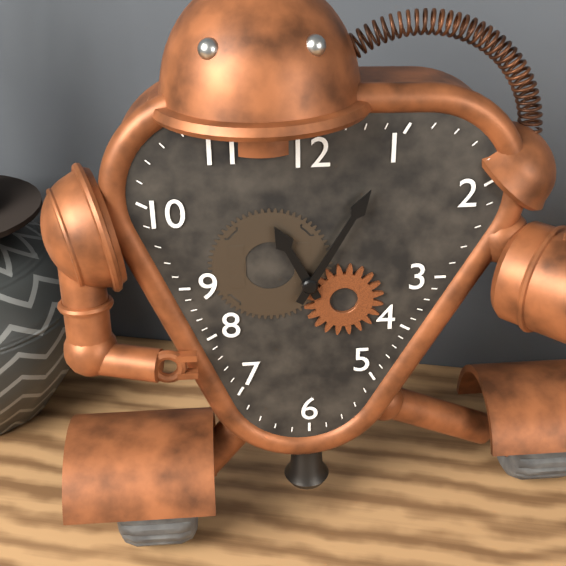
11:05
